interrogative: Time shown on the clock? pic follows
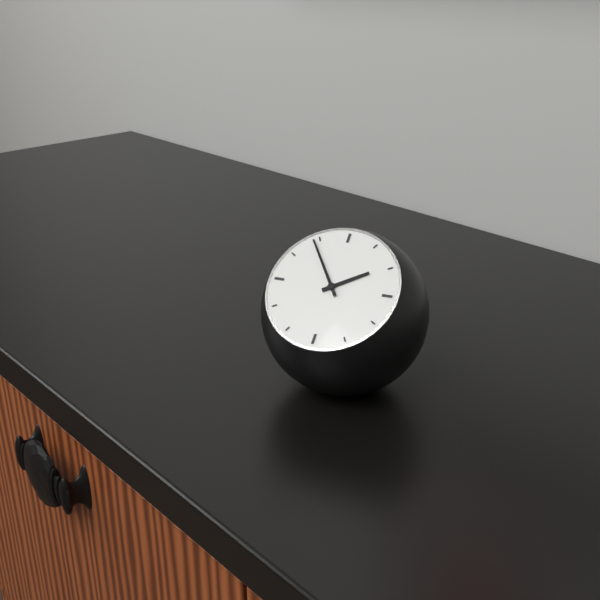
1:54
